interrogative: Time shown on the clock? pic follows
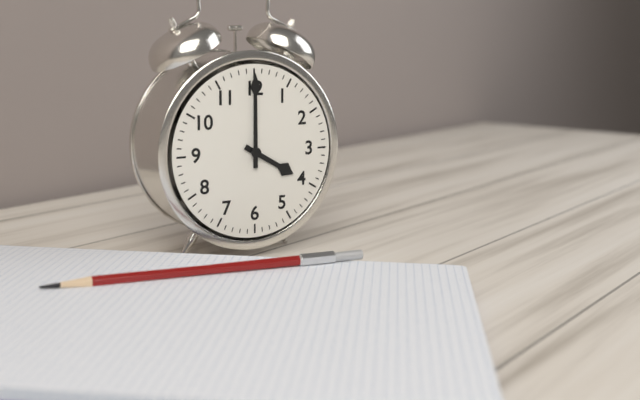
4:00
